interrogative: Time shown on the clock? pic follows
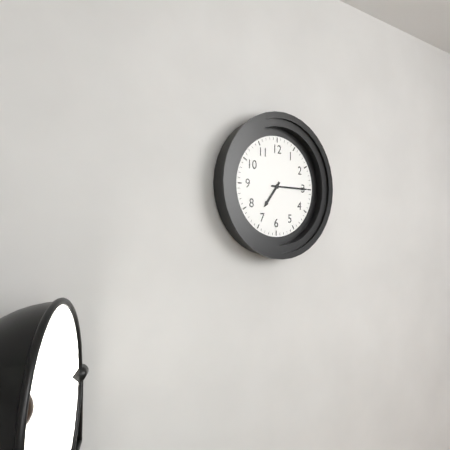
7:15
